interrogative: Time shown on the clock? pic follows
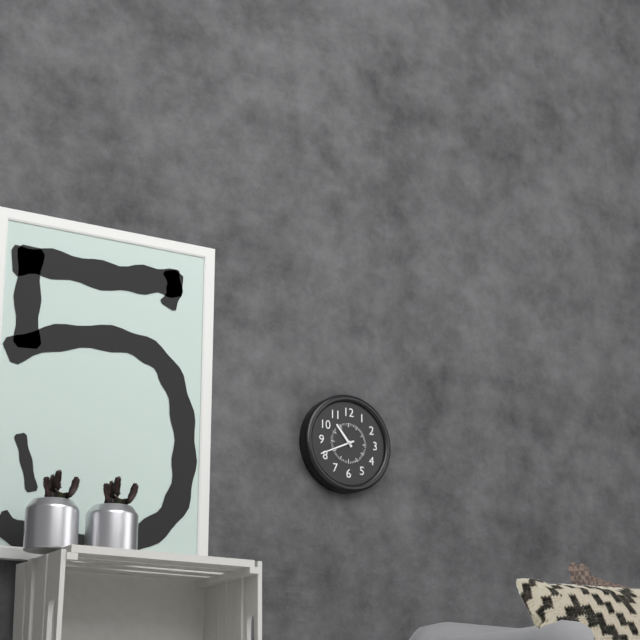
10:41
